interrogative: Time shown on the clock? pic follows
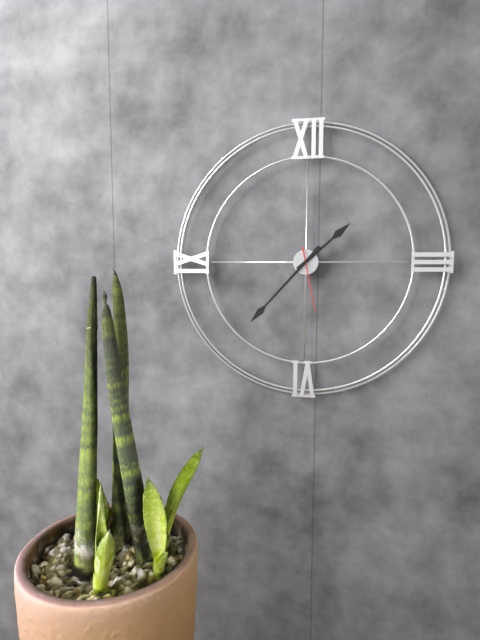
1:37:28
